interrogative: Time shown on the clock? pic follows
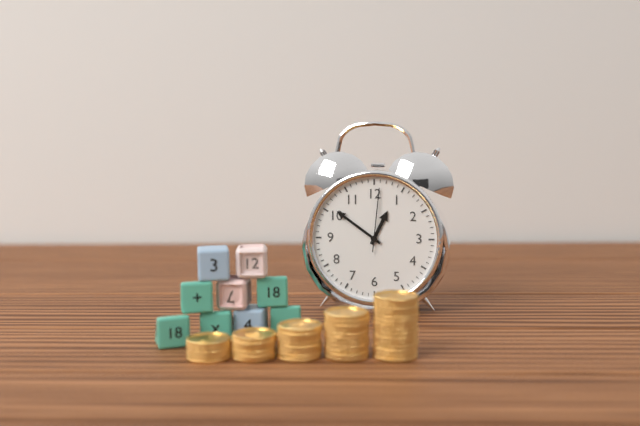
12:51:01
